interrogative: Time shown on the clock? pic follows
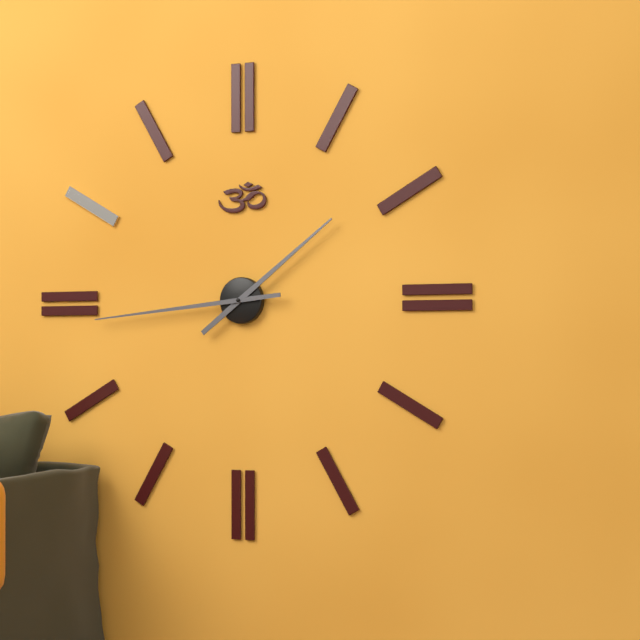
1:44
